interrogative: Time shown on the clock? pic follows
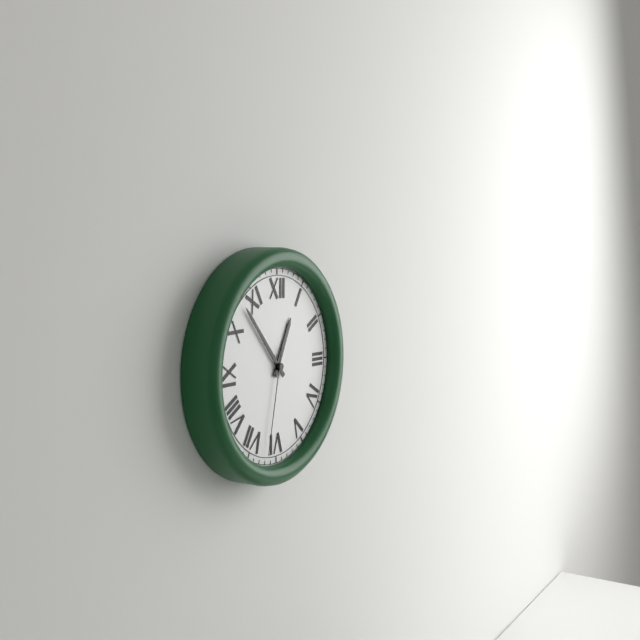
12:53:32
